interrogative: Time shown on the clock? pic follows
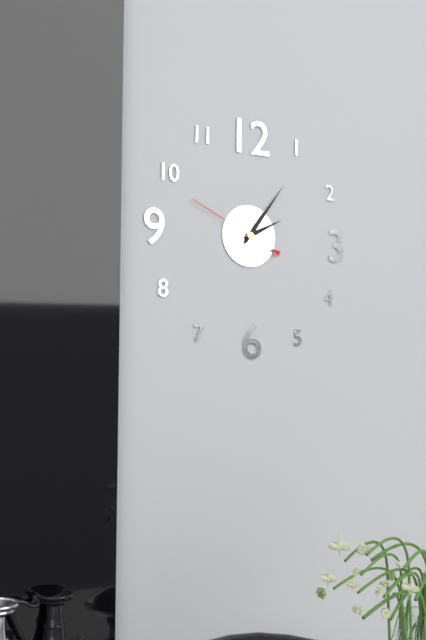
2:06:49
